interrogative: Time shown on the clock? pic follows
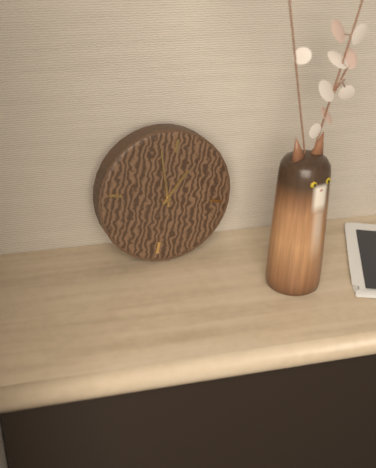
12:57
